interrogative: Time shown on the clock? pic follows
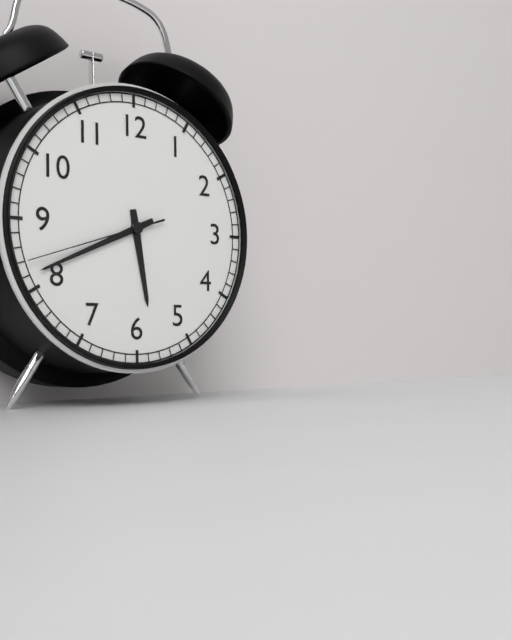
5:41:42
